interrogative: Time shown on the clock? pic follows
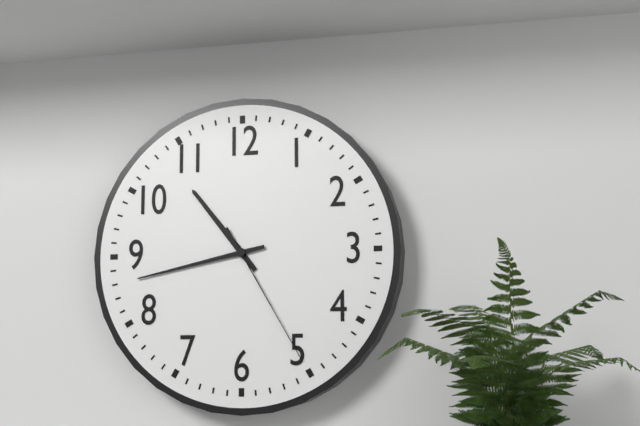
10:43:25
